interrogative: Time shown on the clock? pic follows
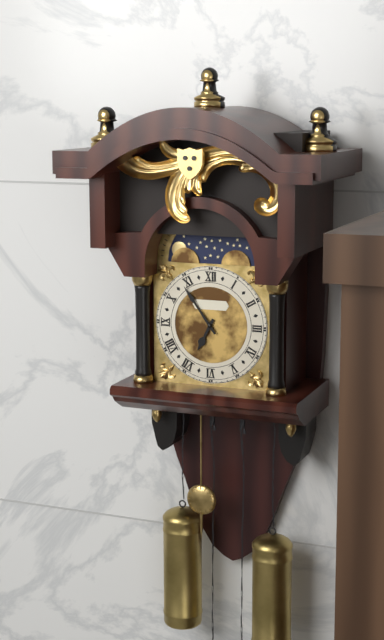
6:54
